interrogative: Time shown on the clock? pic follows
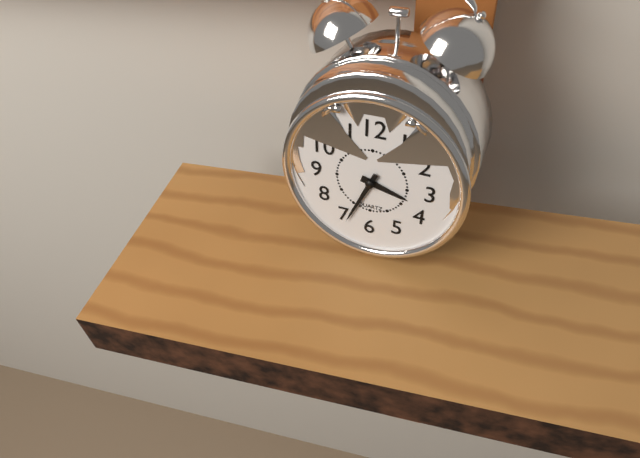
3:34
